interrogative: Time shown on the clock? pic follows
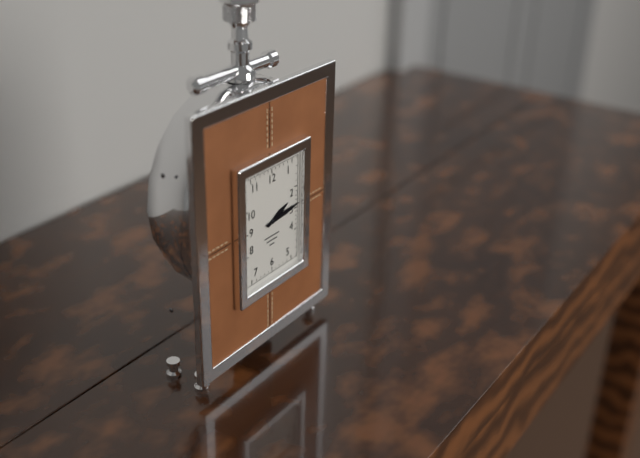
2:14
